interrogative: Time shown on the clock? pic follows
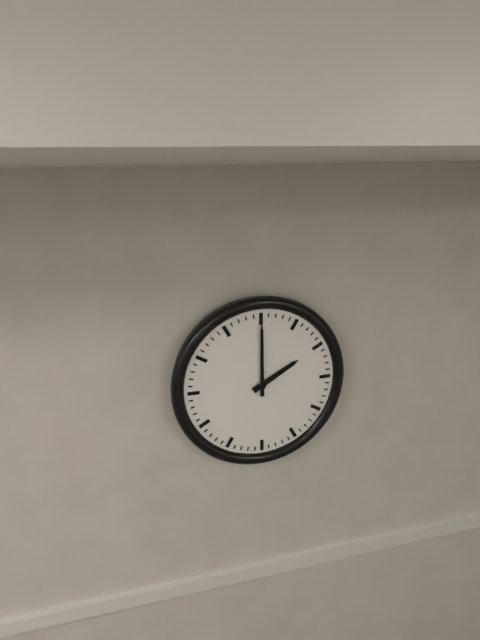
2:00
